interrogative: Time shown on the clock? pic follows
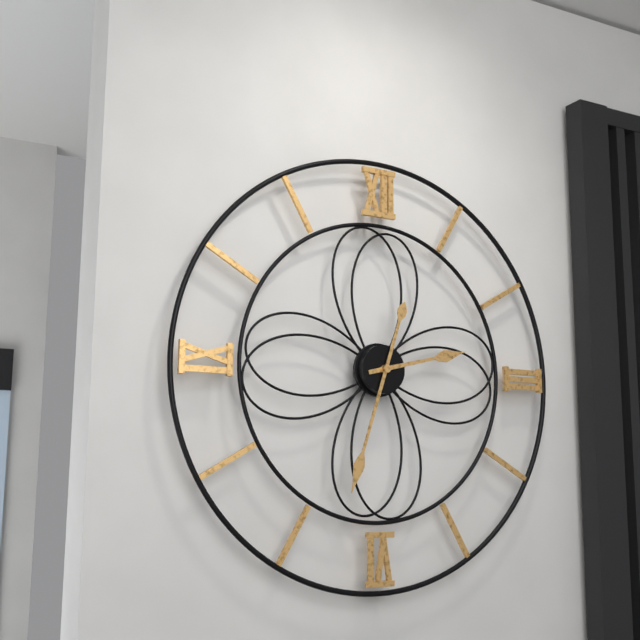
2:33
